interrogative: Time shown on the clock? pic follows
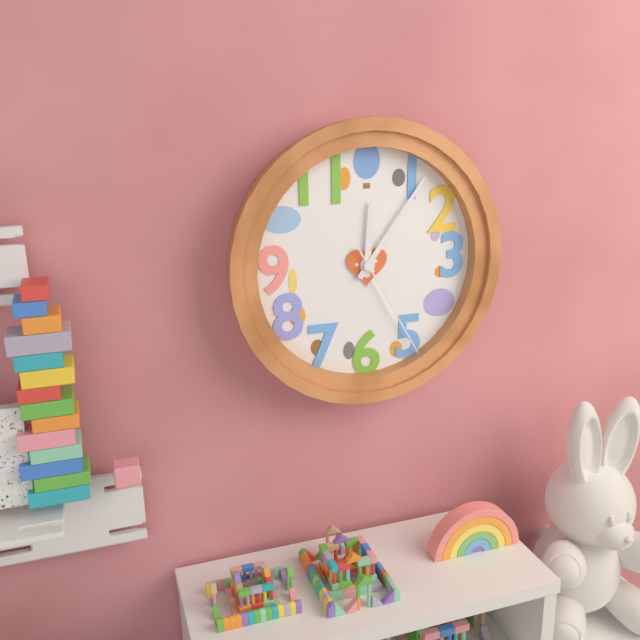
12:06:25
